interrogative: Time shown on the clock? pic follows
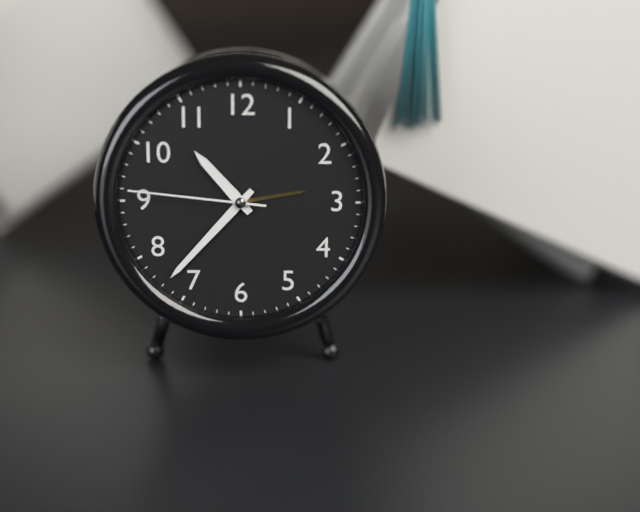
10:37:46
